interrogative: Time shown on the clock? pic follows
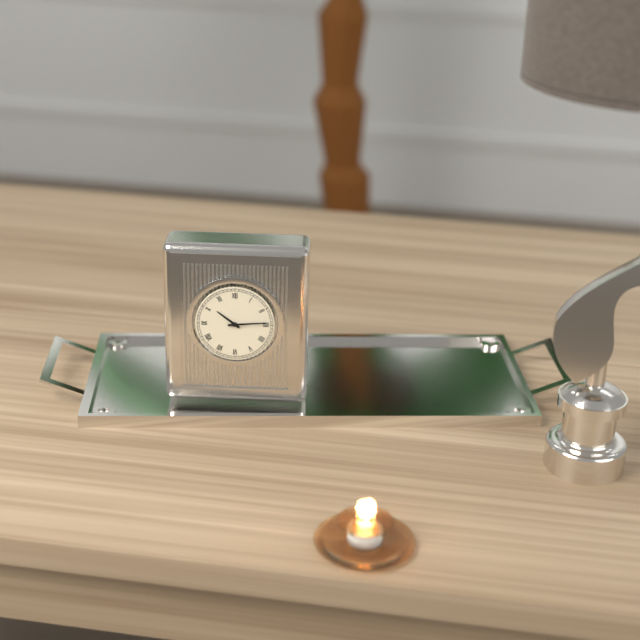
10:14
